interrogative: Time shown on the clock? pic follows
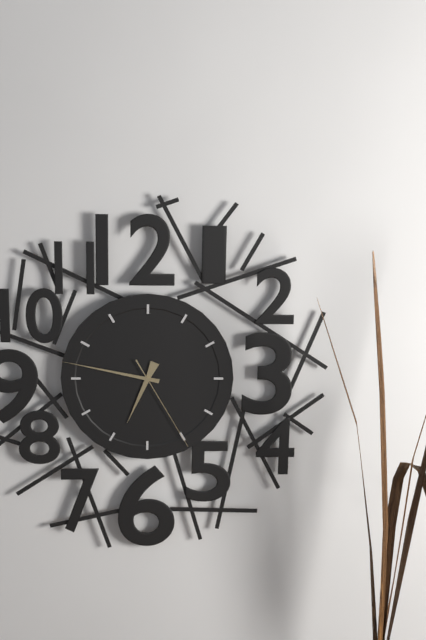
6:47:25
